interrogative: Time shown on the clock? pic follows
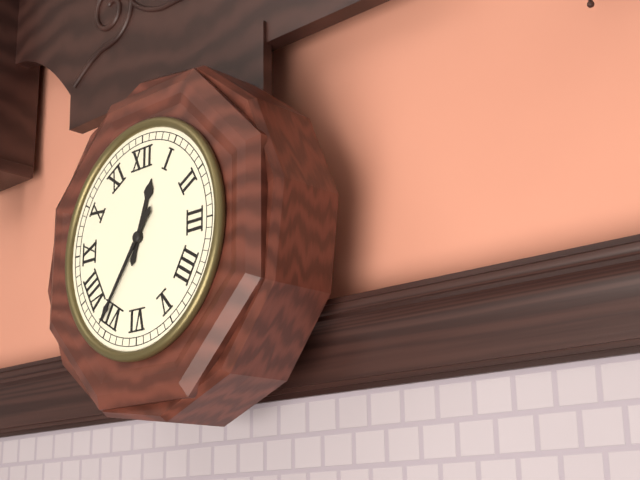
12:36
